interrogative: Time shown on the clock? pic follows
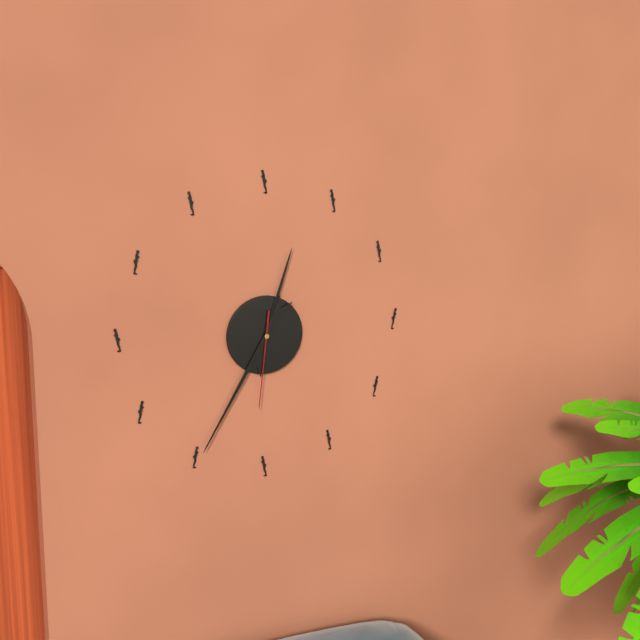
12:35:31
